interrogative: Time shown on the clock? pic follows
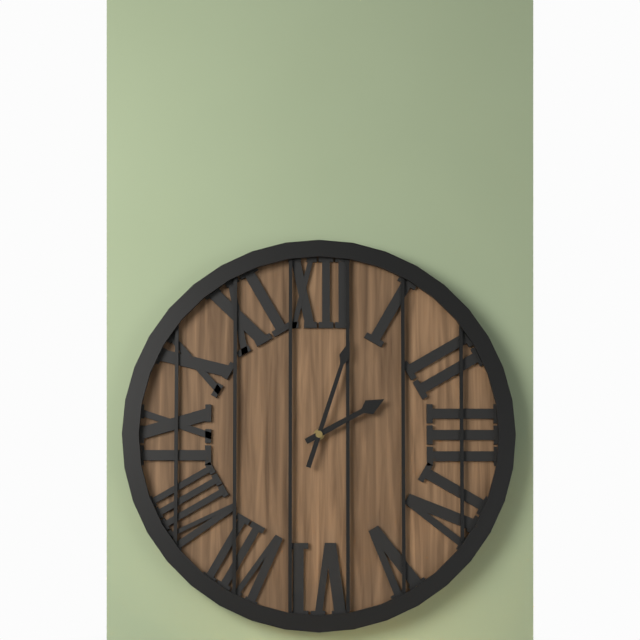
2:03
